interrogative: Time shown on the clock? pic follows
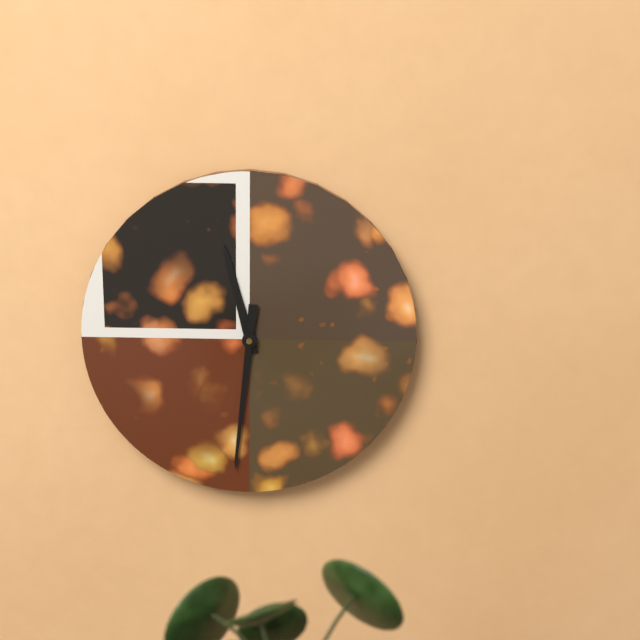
11:31
